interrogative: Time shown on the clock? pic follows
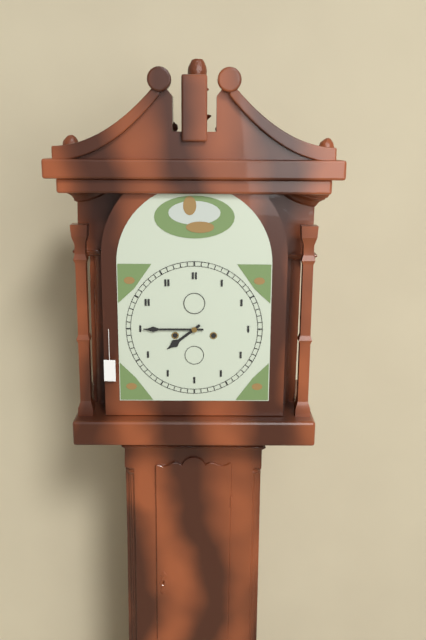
7:45
